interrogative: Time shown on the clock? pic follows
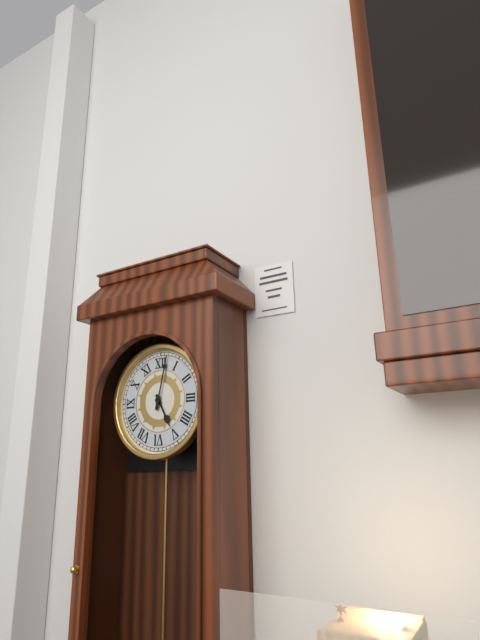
5:02
